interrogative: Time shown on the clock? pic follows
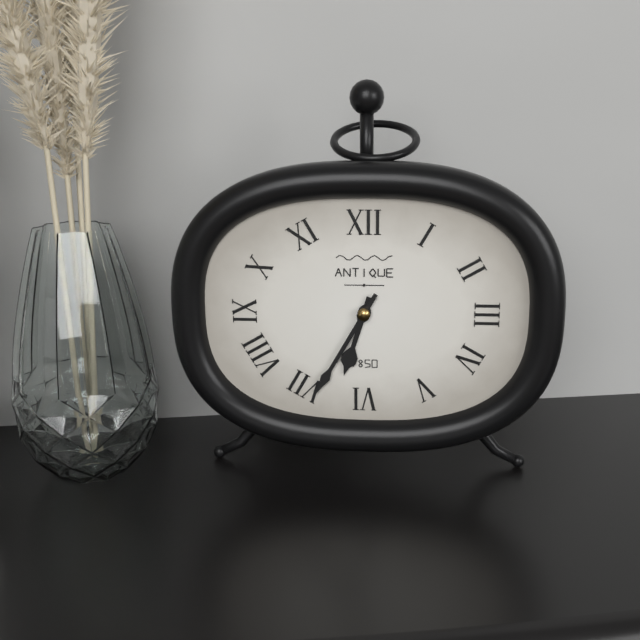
6:35
